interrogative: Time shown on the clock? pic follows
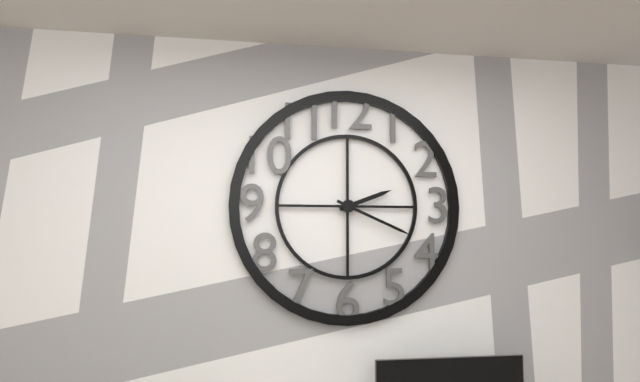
2:19
